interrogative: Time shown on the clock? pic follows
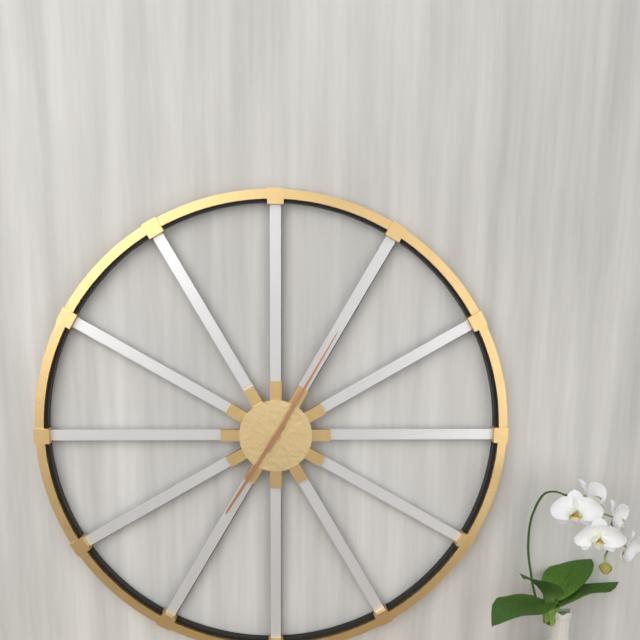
7:05
